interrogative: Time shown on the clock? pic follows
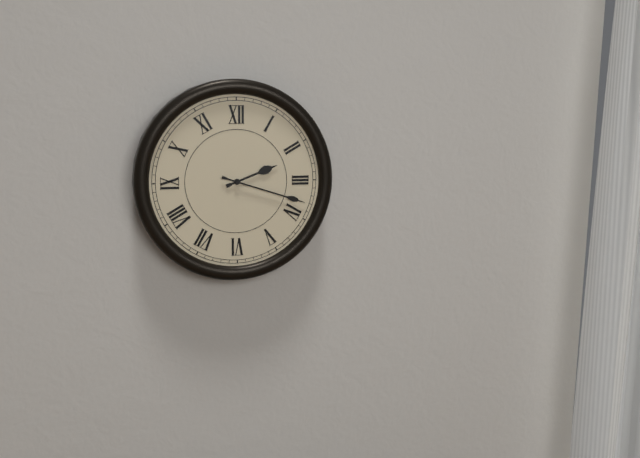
2:18
